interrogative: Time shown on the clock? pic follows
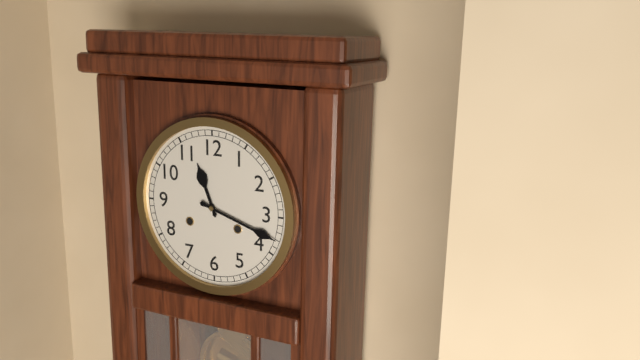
11:18
